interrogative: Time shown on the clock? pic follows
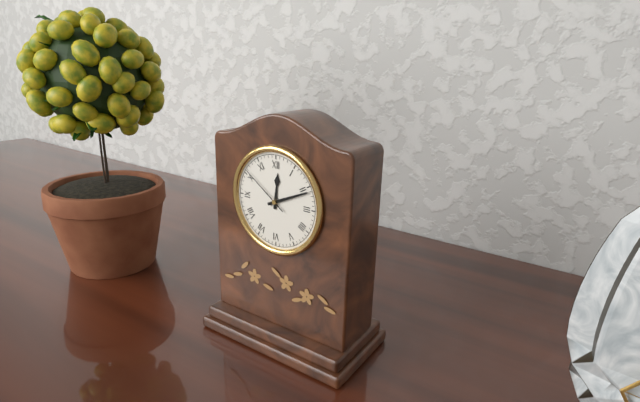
12:11:51
